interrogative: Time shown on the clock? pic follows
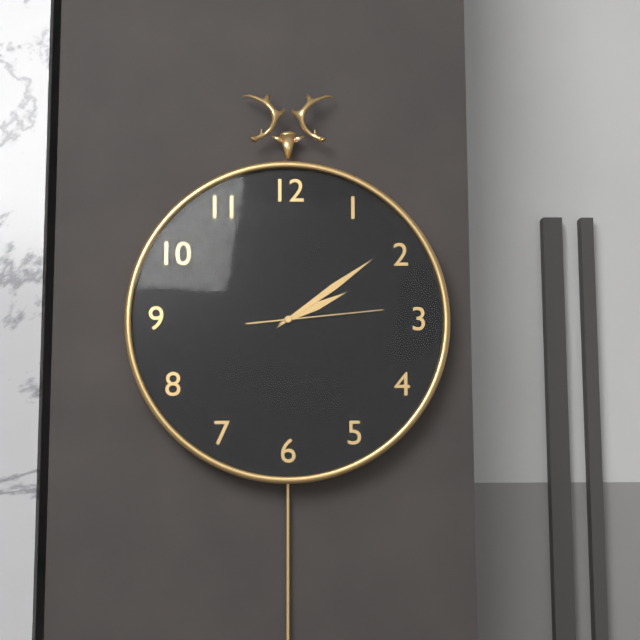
2:09:14
